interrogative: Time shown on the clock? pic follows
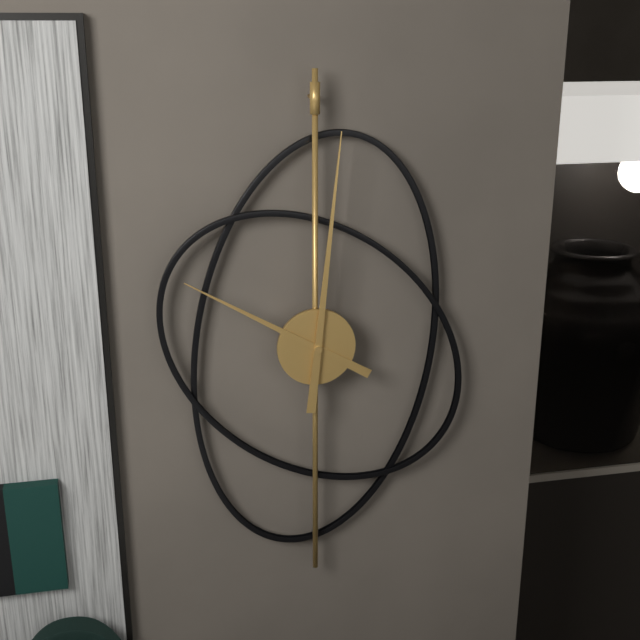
10:01
